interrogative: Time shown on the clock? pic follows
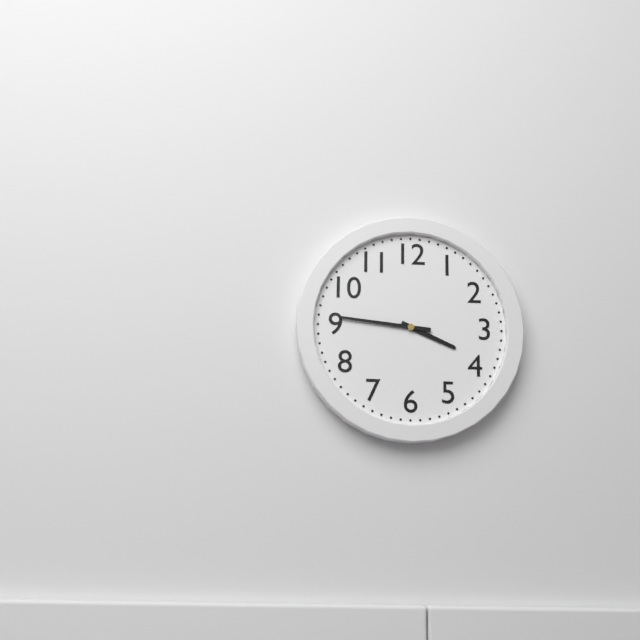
3:46
